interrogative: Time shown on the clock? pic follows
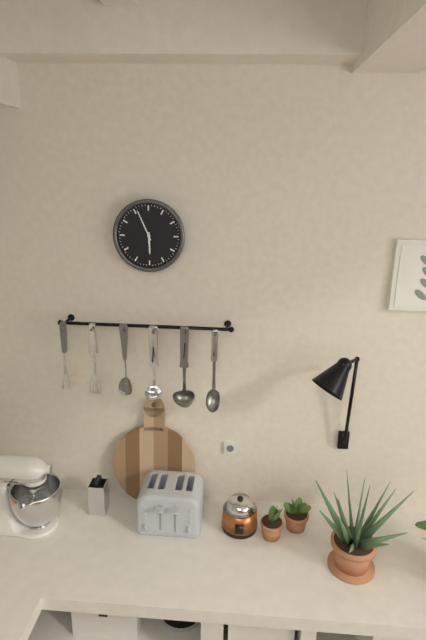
5:56
